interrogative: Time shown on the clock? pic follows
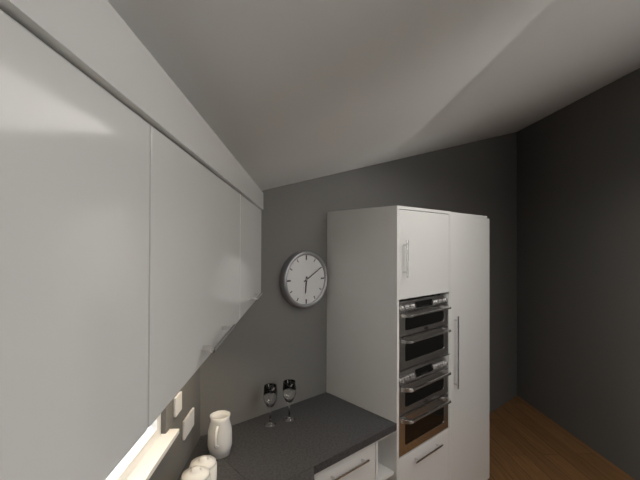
6:10
